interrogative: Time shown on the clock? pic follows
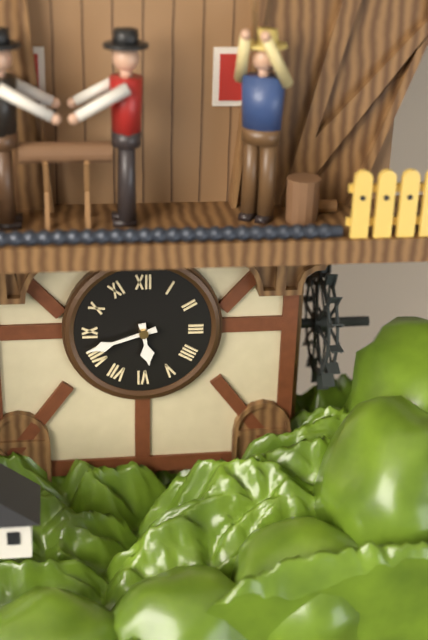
5:42
